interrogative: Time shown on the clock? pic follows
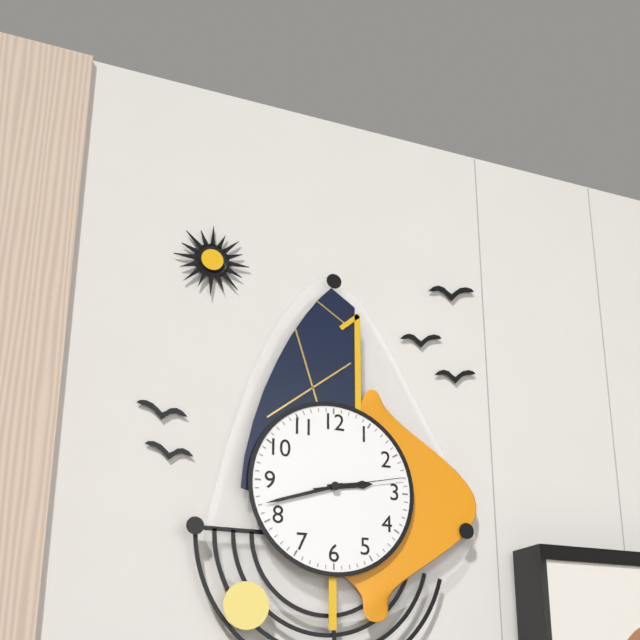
2:42:13
